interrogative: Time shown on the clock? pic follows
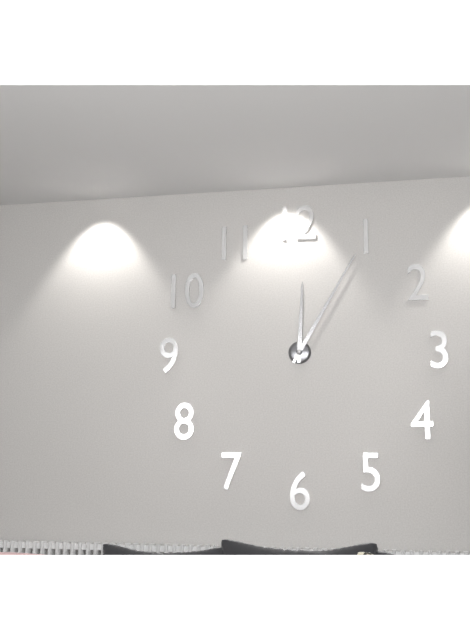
12:05
